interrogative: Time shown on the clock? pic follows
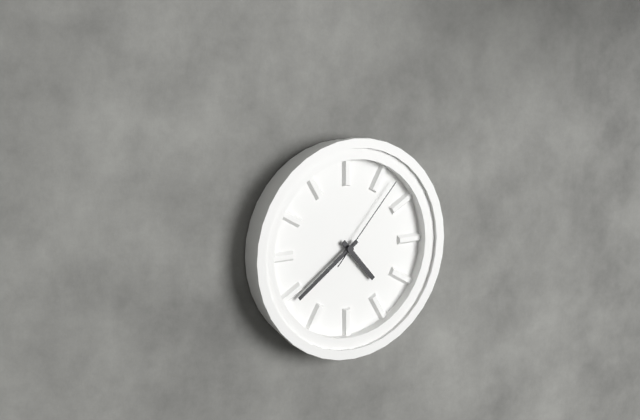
4:39:07
